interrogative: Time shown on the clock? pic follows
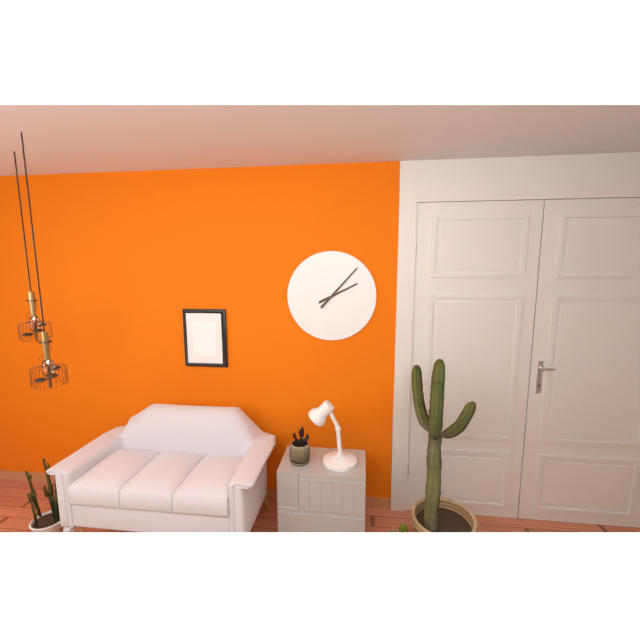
2:07
